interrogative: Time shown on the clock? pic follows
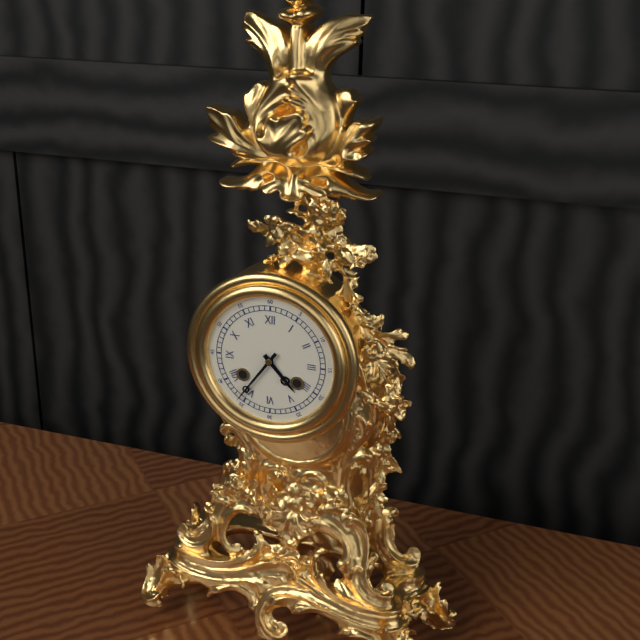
4:36
